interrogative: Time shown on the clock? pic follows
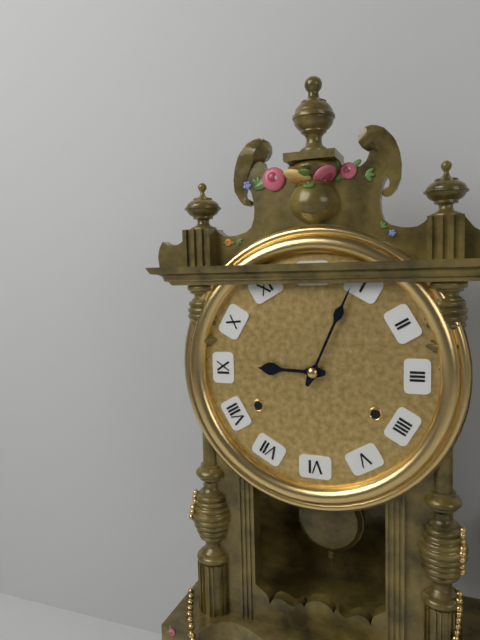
9:04
